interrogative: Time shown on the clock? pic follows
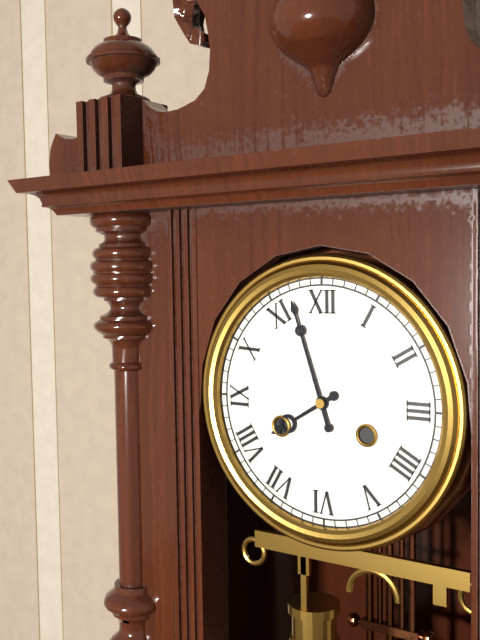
7:57
